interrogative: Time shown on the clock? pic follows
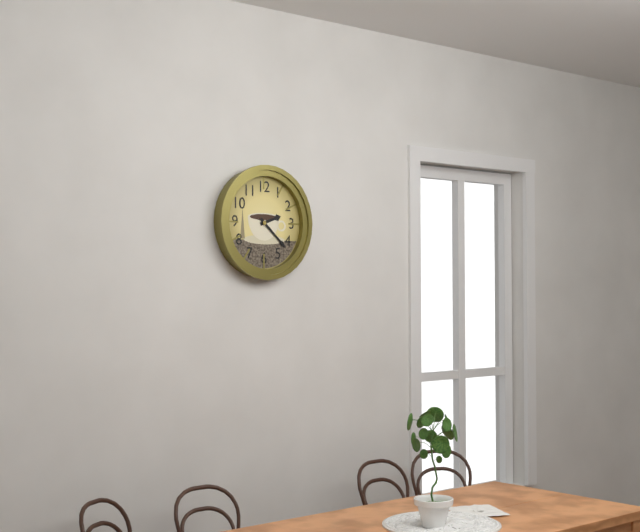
2:22
